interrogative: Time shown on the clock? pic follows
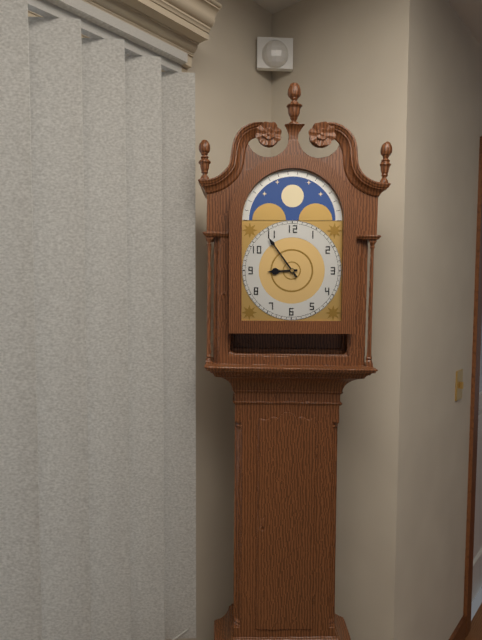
8:54
